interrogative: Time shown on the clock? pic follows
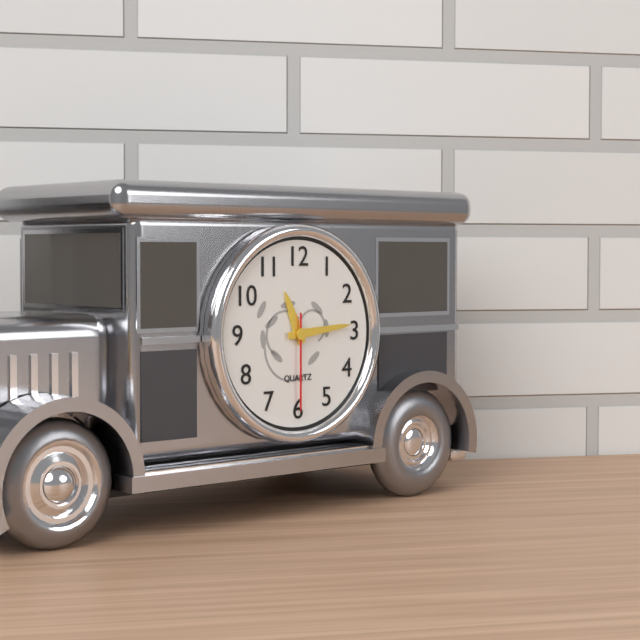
11:14:30
